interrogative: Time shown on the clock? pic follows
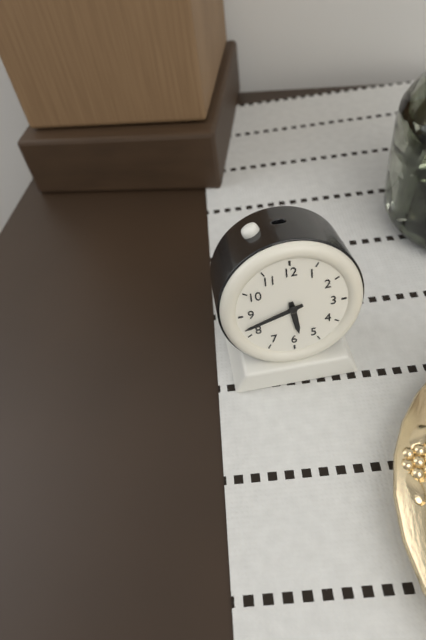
5:42
